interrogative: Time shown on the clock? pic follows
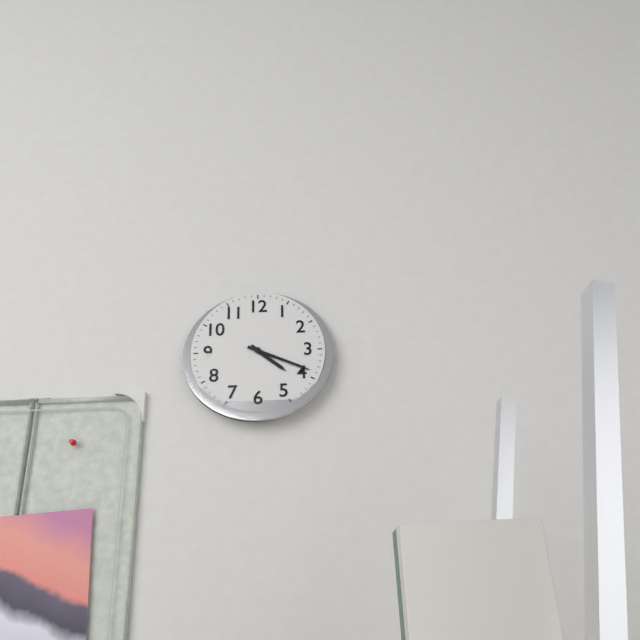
4:19
